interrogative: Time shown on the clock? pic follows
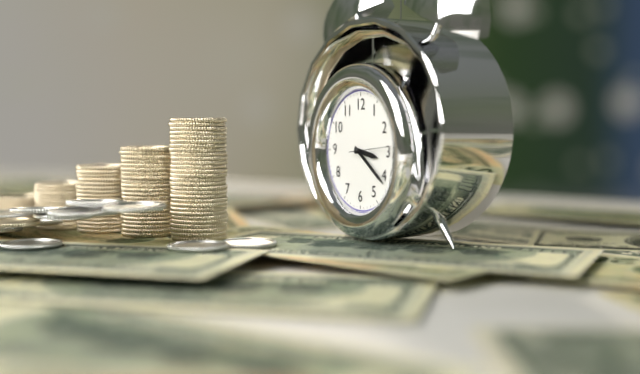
3:21
